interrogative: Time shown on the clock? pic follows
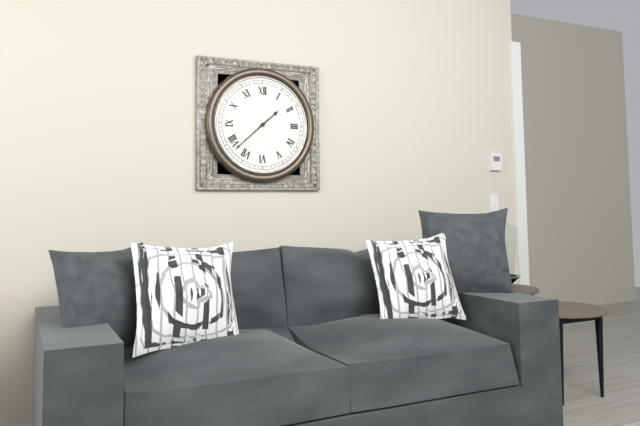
1:38
